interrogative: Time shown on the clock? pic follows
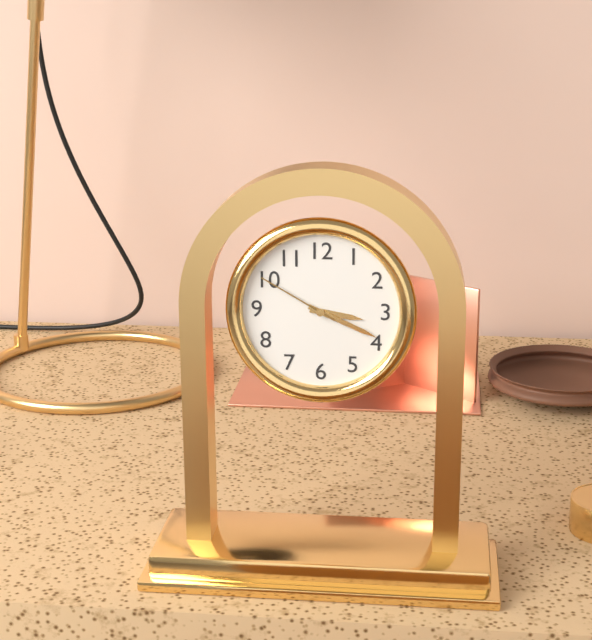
3:19:50
